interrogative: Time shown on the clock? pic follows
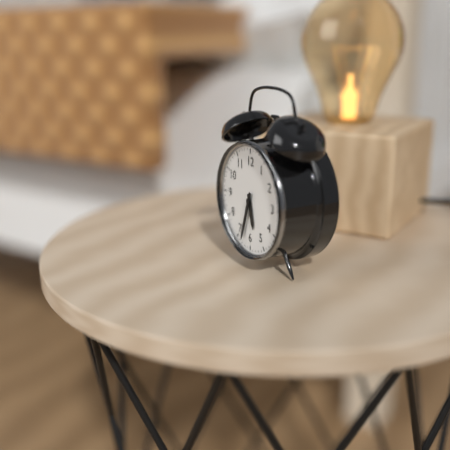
5:33
